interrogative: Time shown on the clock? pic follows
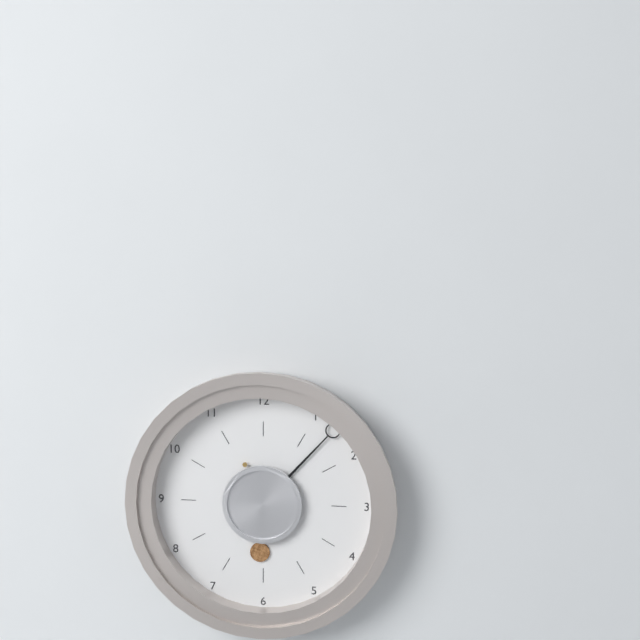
6:07
